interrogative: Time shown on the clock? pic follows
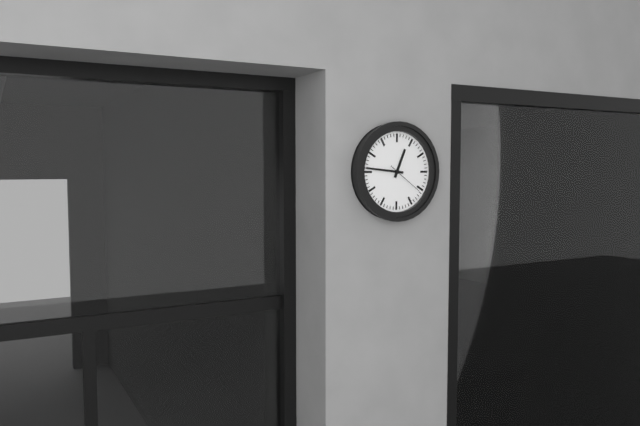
12:46
